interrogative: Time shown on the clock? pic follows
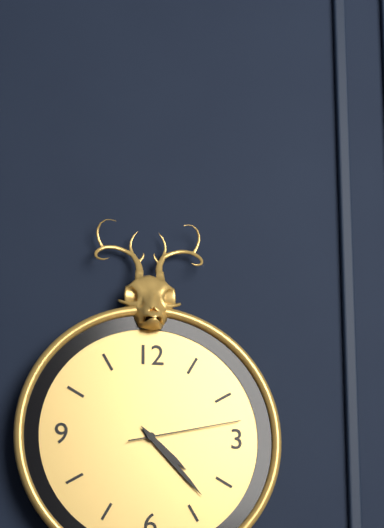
4:23:13
